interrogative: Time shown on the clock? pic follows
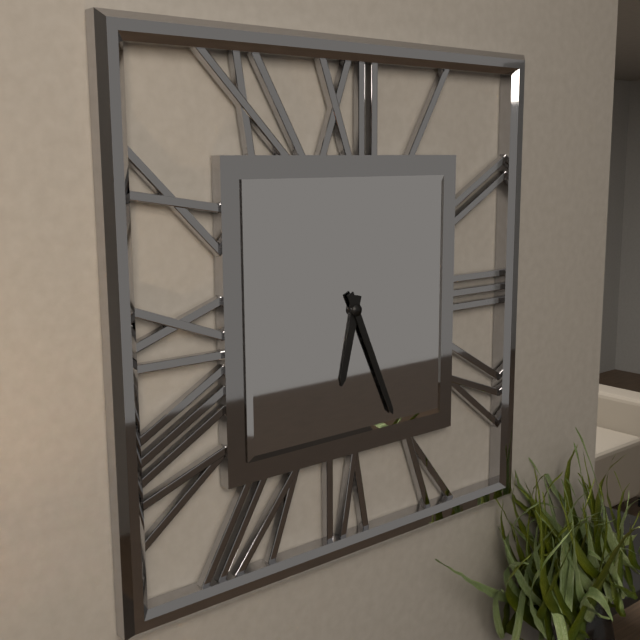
6:26
